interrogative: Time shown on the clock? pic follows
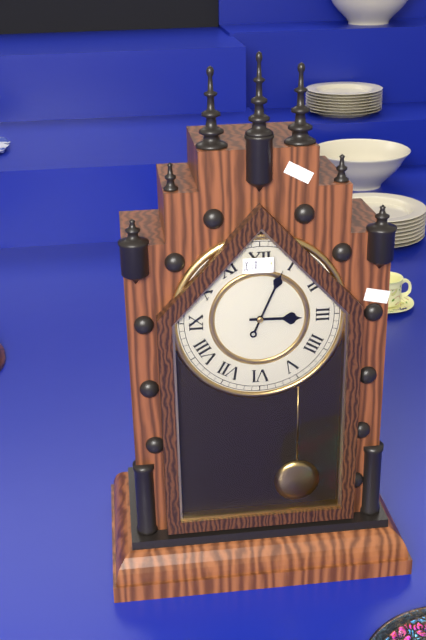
3:04
